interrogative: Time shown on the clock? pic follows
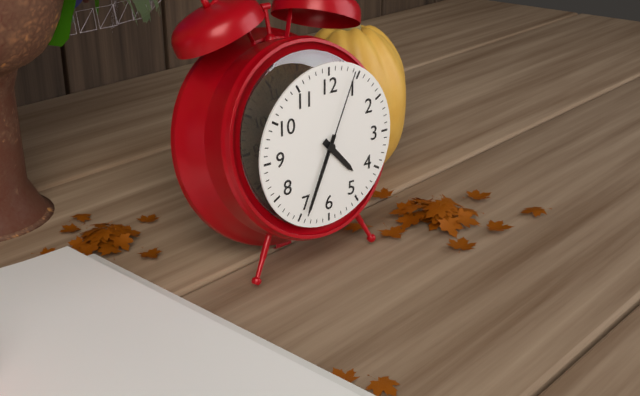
4:34:04
